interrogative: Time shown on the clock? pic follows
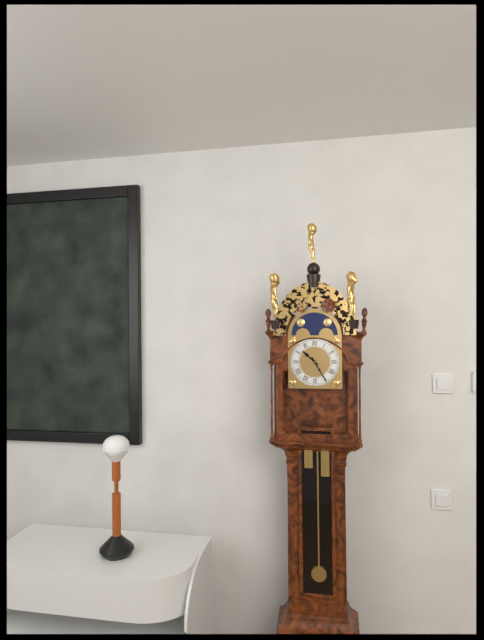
10:25
